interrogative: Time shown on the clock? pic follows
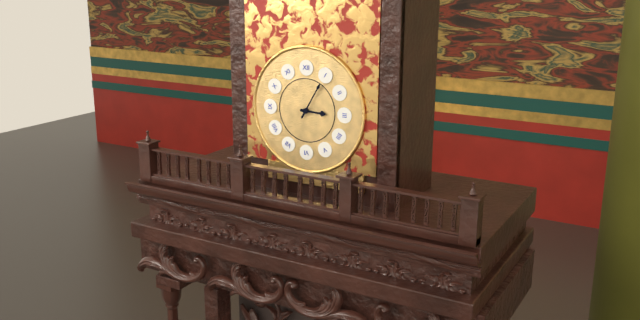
3:05
